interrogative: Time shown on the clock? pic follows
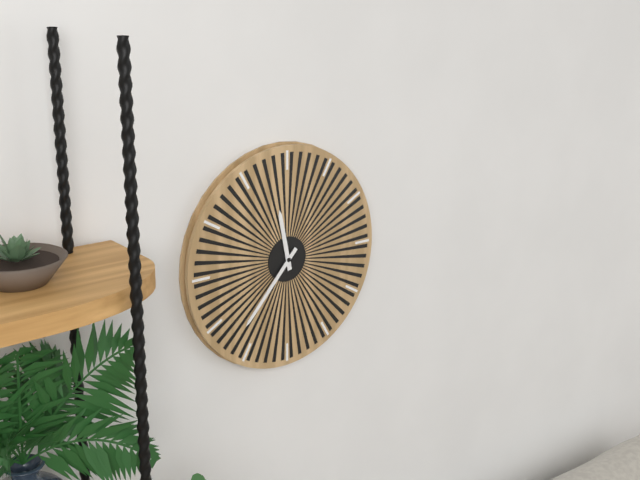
11:37
